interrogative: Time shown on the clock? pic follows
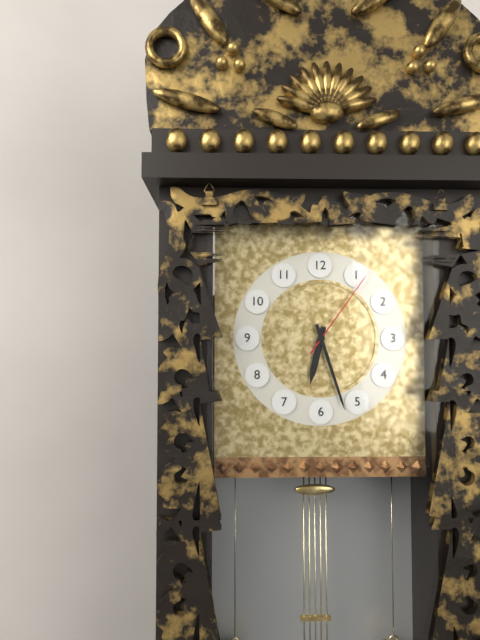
6:27:06
